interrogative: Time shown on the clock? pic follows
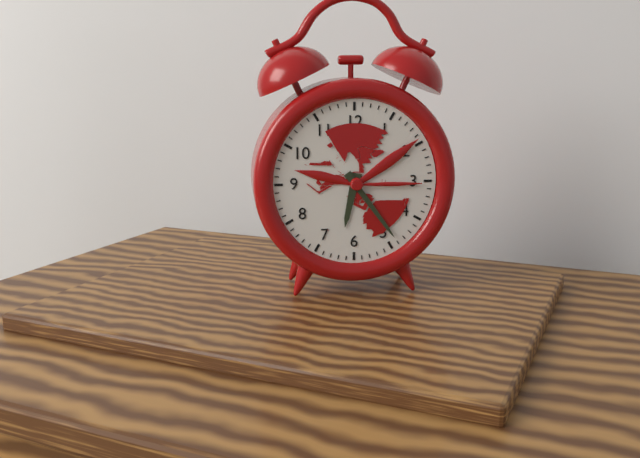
6:24
